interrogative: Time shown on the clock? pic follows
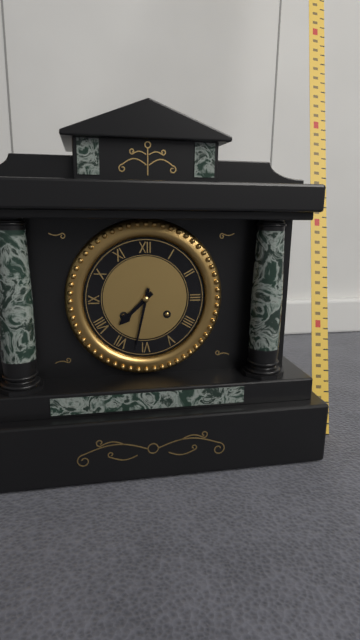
7:32
